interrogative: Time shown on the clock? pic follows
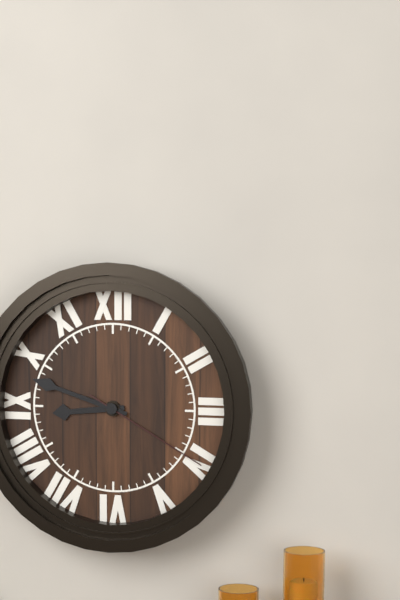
8:48:20
